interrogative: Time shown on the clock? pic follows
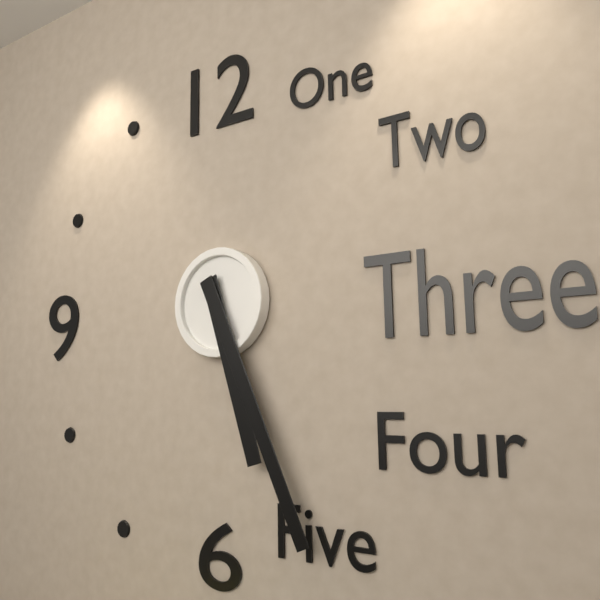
5:26
